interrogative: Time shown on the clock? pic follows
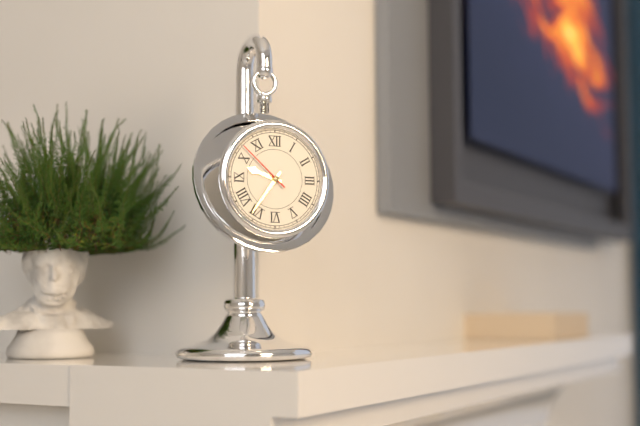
9:36:52
